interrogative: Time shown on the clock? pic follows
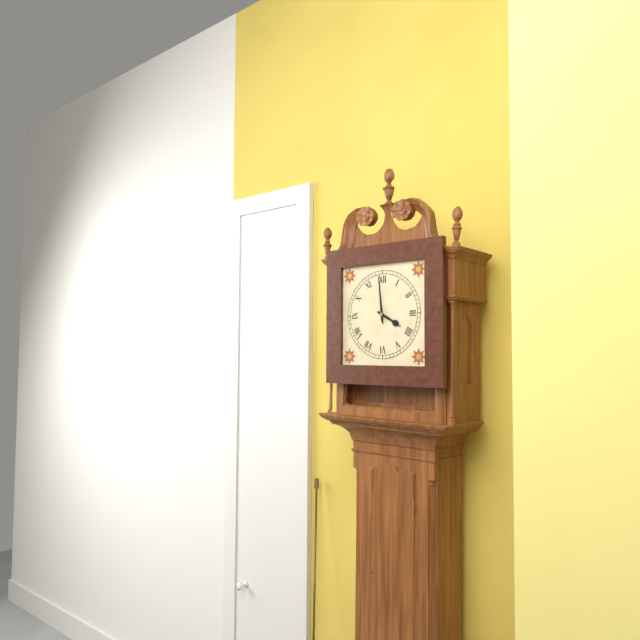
3:59
